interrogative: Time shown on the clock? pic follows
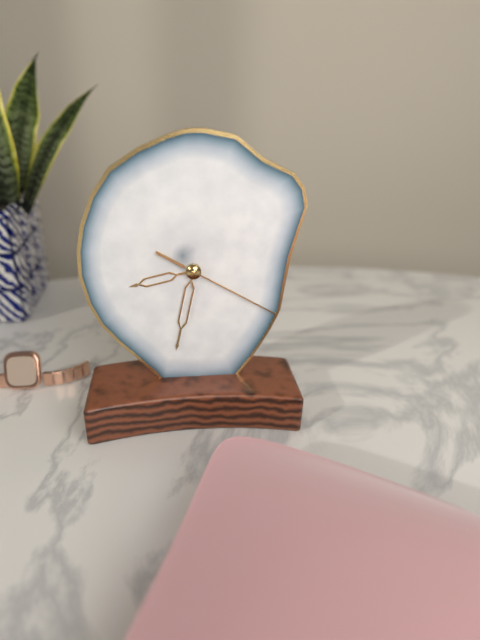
8:32:20
